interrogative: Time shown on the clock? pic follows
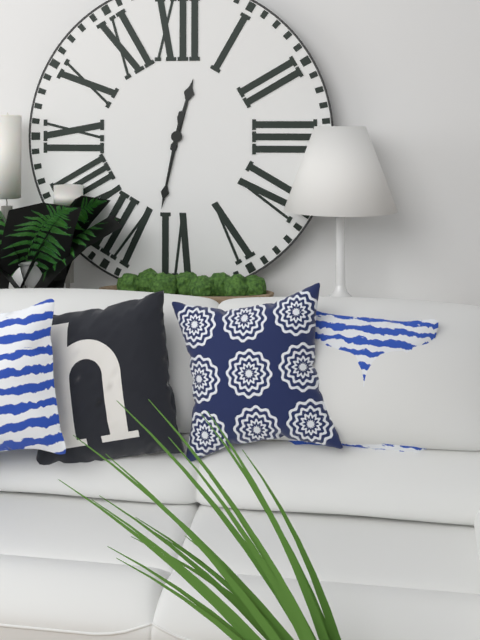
12:32
